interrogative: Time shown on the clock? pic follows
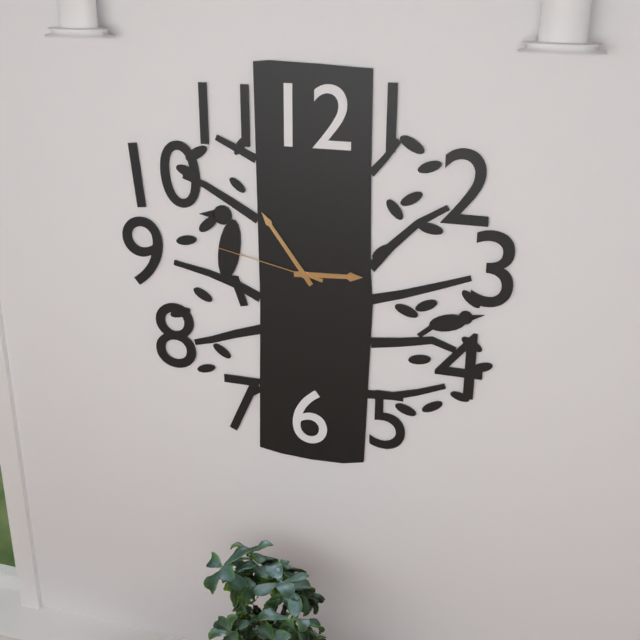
2:54:47
